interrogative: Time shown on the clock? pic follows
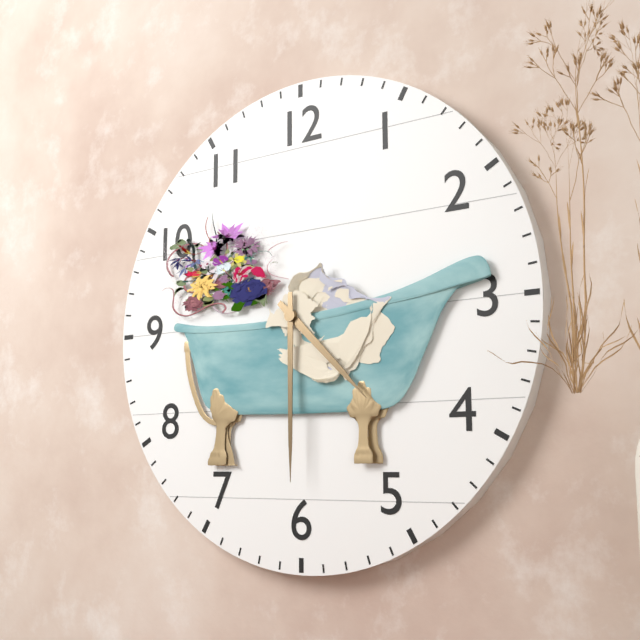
4:30
